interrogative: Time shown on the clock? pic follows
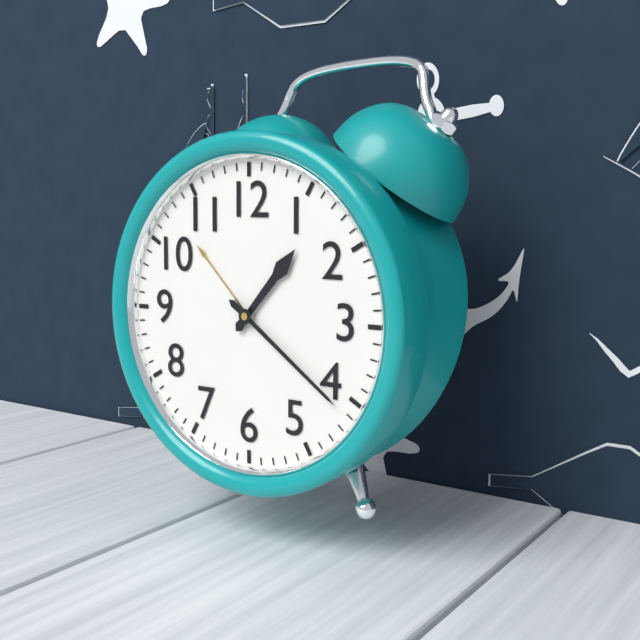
1:21
